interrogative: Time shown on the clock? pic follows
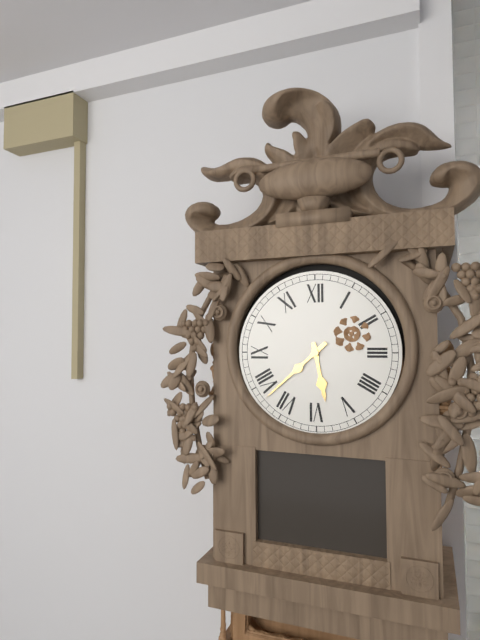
5:38
